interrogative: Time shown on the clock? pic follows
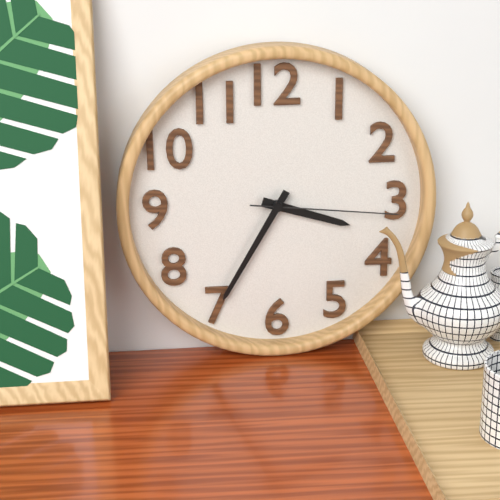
3:35:16
